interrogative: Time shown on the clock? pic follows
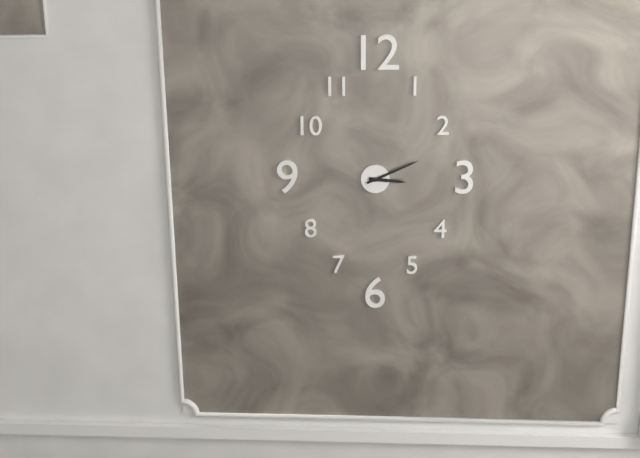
3:11
